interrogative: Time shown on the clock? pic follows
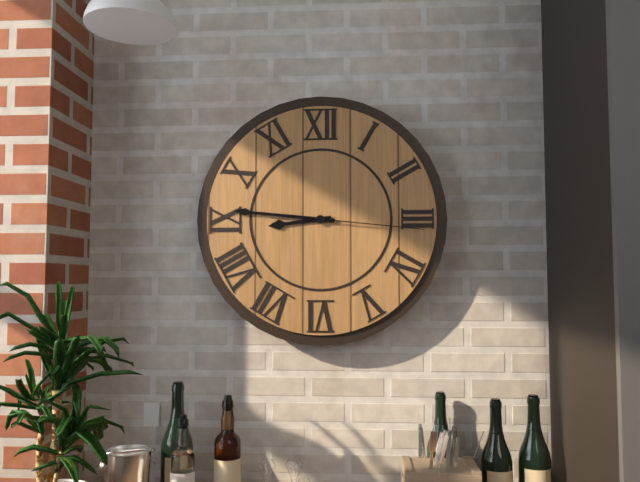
8:46:16
